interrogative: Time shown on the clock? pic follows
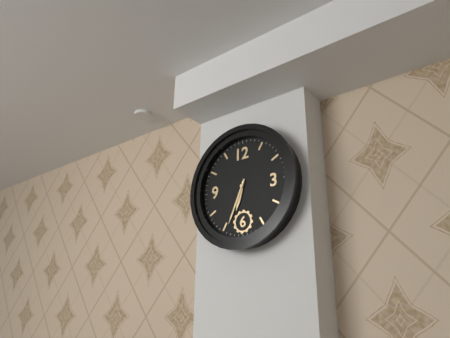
6:34
